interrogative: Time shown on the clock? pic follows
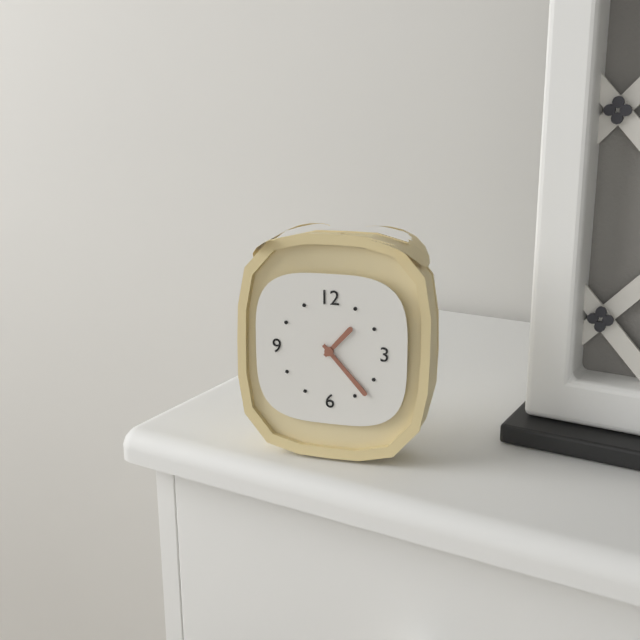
1:23
